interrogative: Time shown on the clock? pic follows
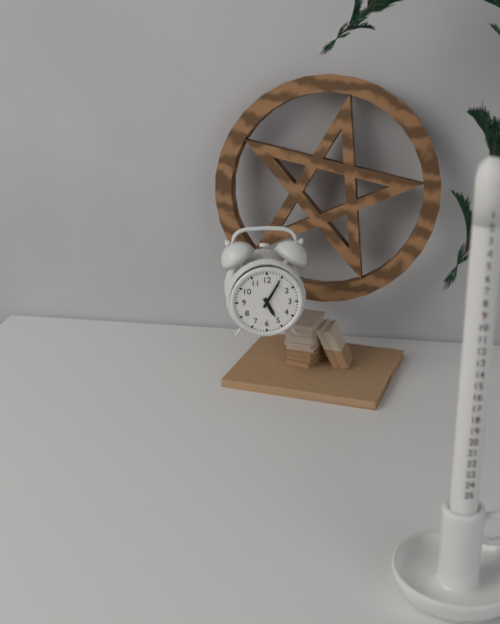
5:05
